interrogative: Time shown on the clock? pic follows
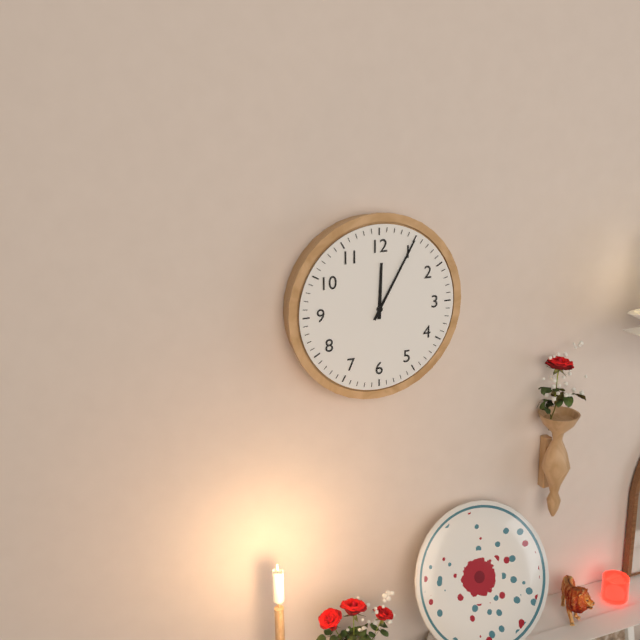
12:05
